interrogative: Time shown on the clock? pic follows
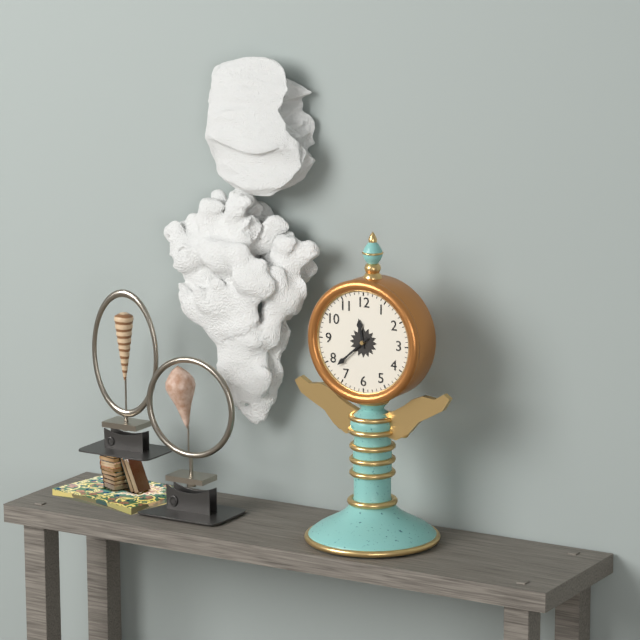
11:38
